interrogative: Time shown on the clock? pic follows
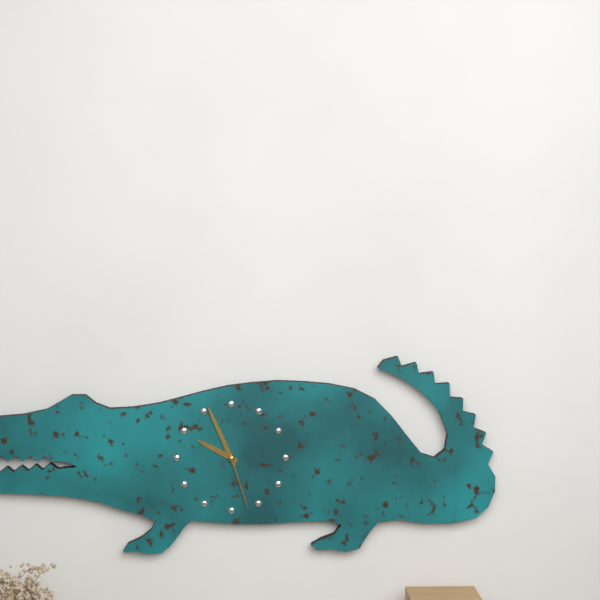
9:56:27
